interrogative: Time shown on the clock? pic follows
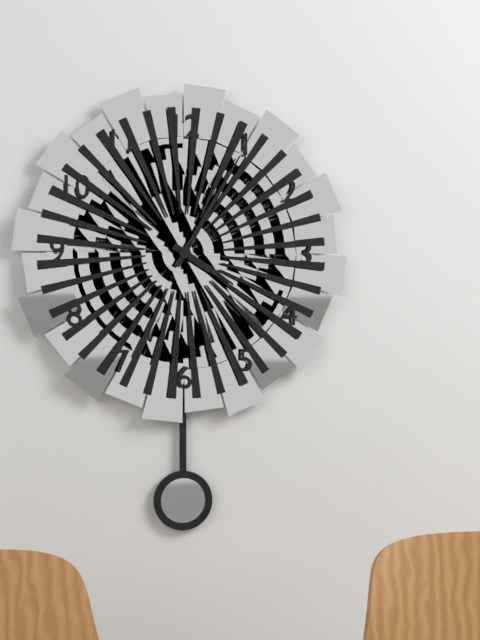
4:05
